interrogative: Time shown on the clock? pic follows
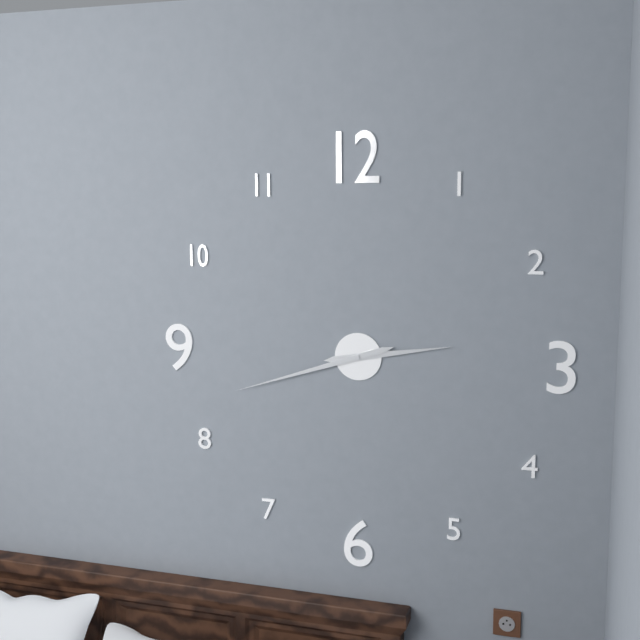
2:42
